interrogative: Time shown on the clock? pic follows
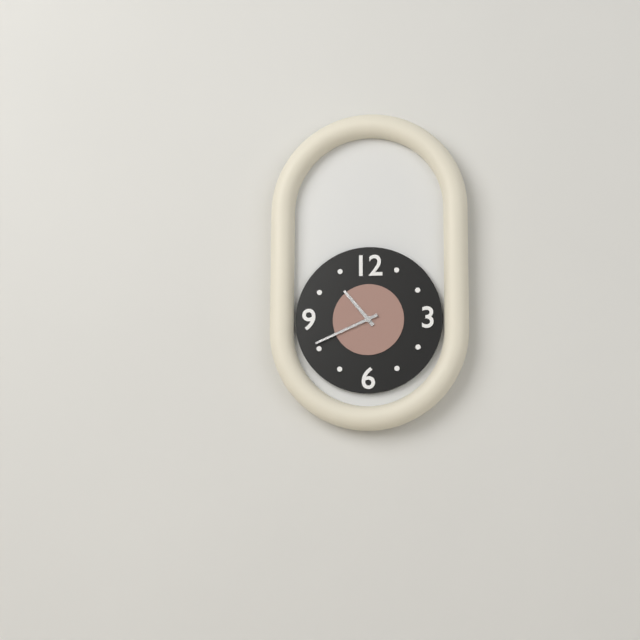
10:41
